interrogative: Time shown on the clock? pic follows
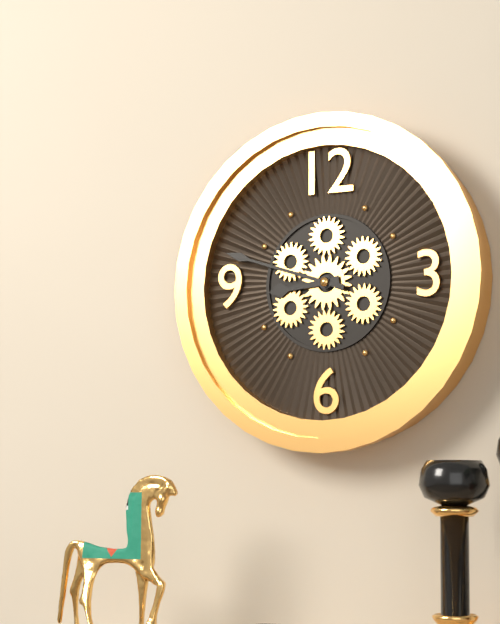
8:48
